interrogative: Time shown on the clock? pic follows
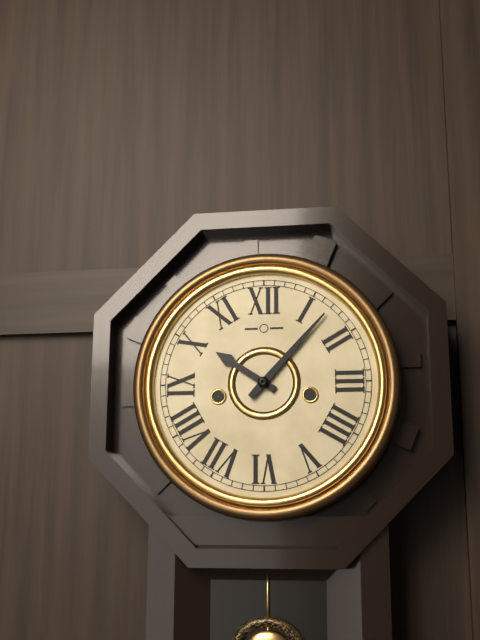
10:07
